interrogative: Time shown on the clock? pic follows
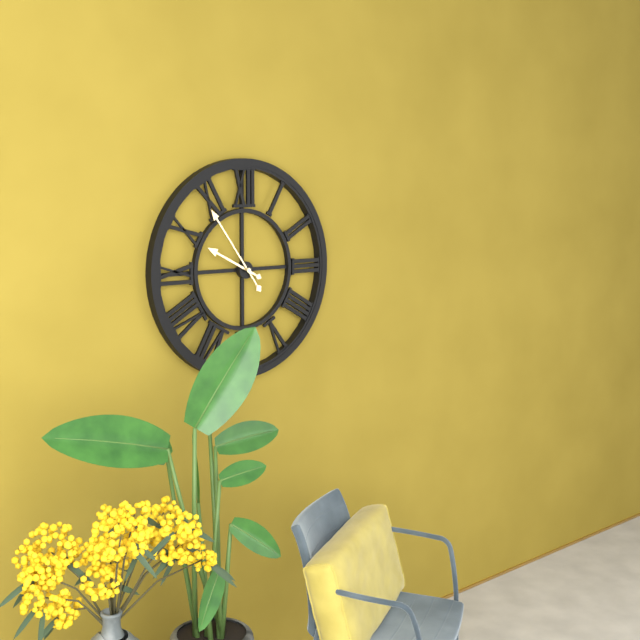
9:54
